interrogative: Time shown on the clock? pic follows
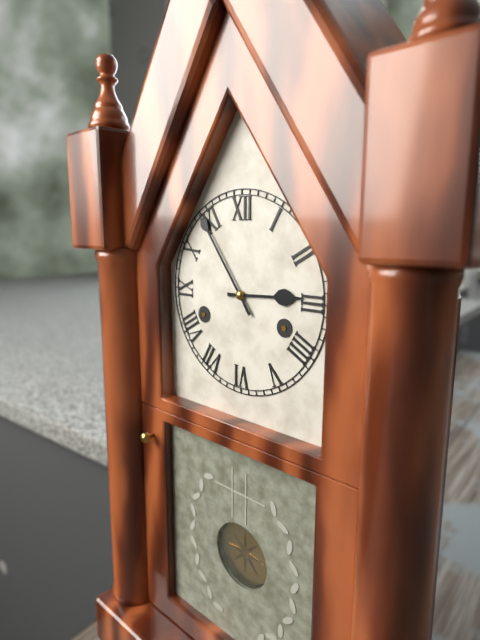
2:54
